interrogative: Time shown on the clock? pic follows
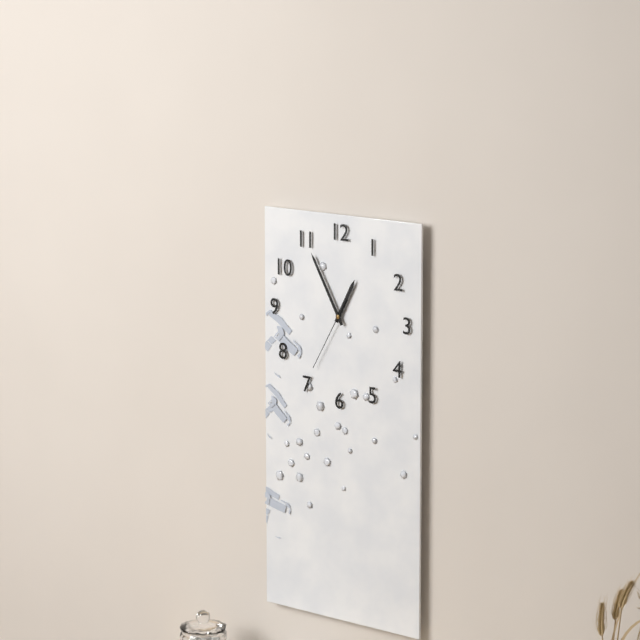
12:55:35
